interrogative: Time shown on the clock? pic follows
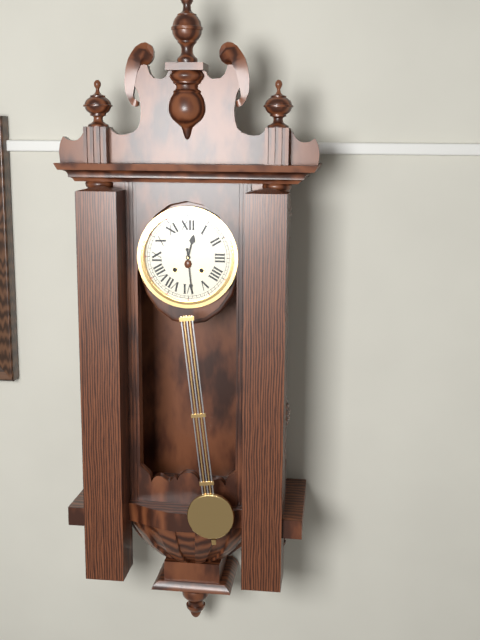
12:29
